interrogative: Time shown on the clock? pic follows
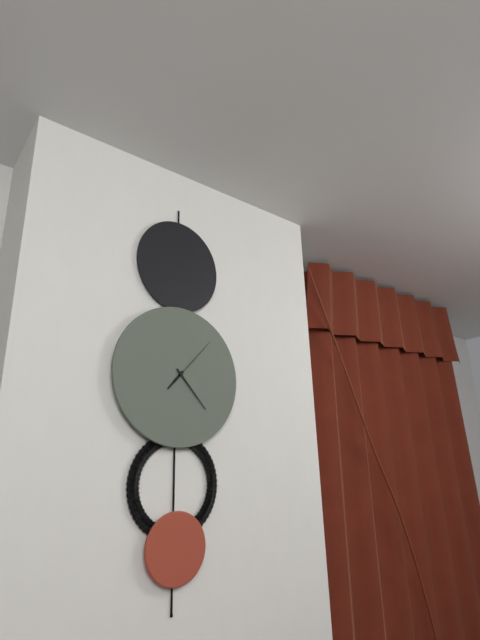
7:23:07
